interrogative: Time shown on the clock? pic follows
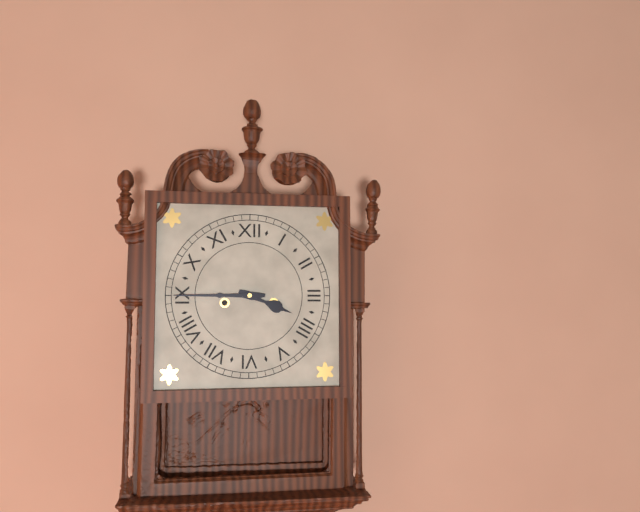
3:45
